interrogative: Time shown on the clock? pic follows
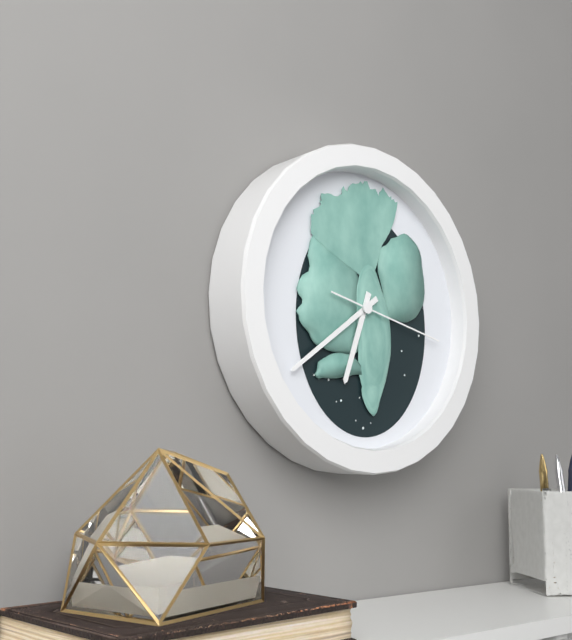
6:39:17
